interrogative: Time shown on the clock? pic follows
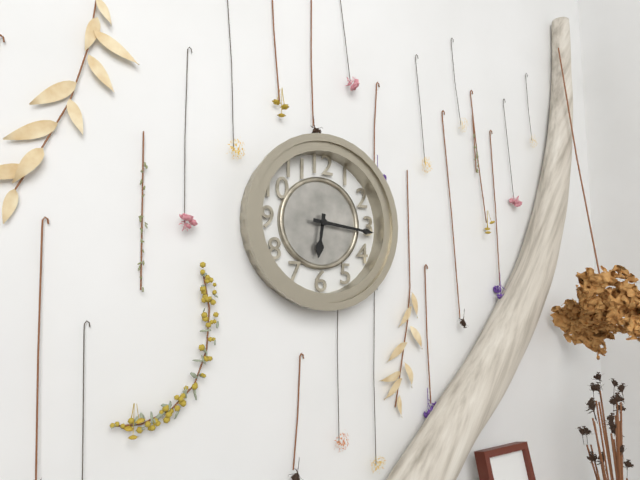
6:16
